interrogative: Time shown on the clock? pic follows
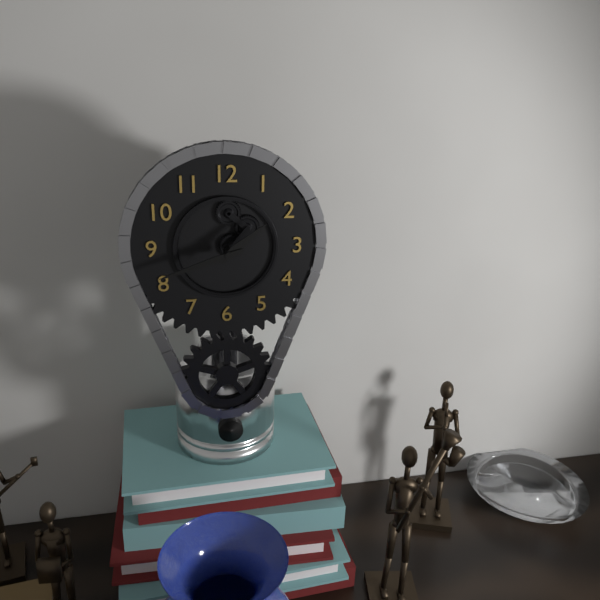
1:42
